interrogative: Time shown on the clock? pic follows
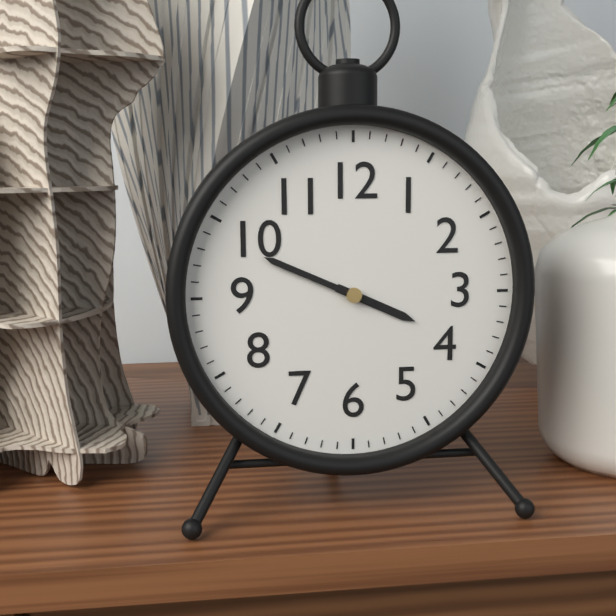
3:49
